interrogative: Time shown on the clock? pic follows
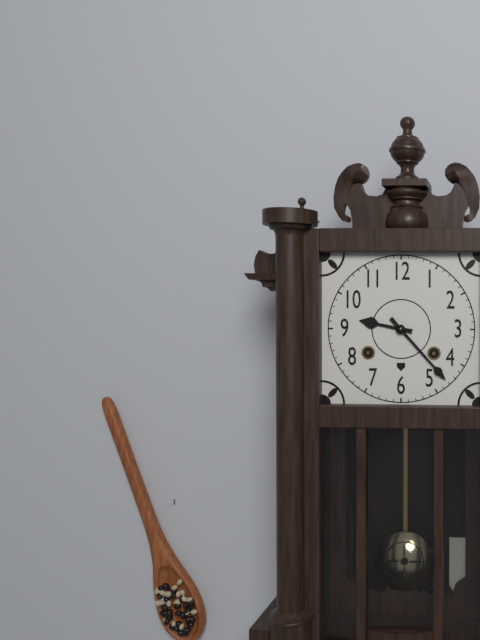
9:23
